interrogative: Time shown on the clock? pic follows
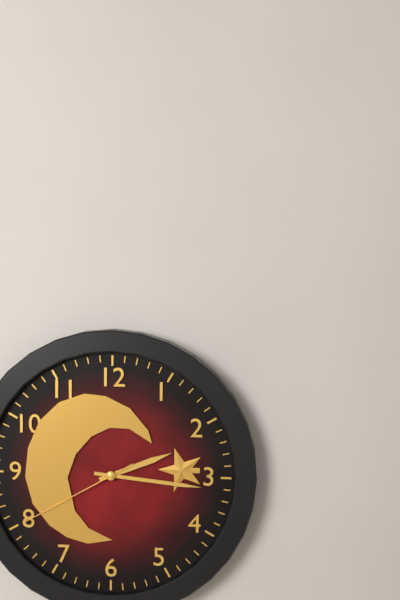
2:16:40
